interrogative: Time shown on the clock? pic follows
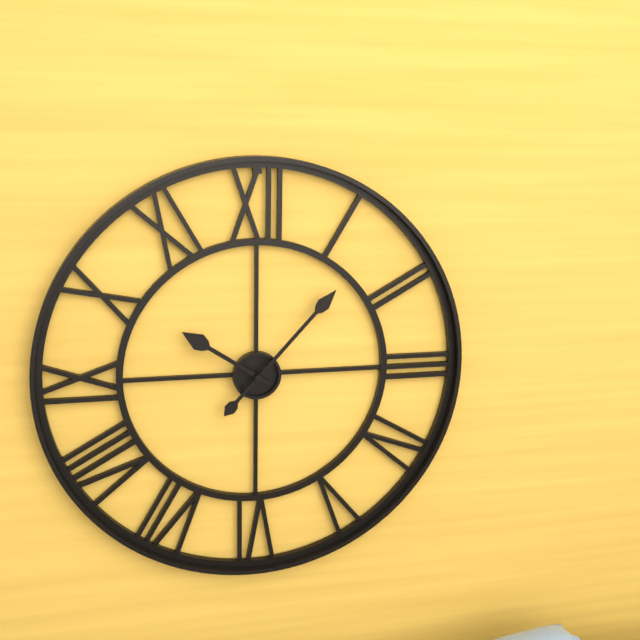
10:07
